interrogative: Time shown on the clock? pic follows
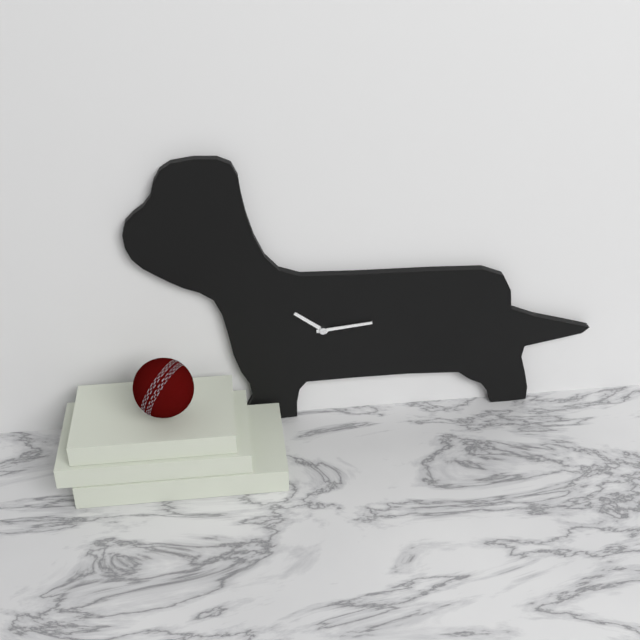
10:14
